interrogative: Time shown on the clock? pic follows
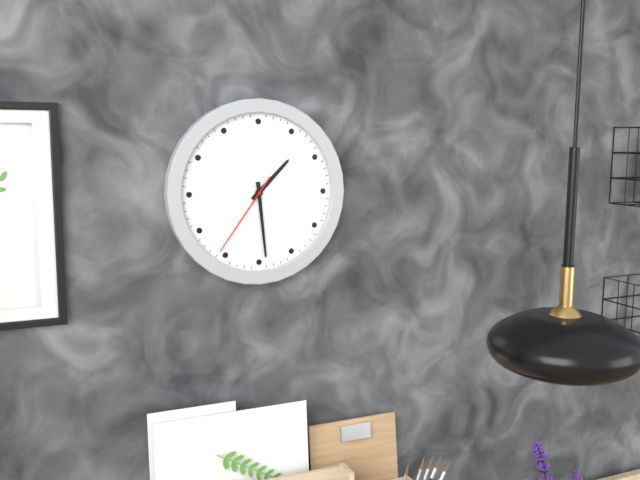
1:29:36
